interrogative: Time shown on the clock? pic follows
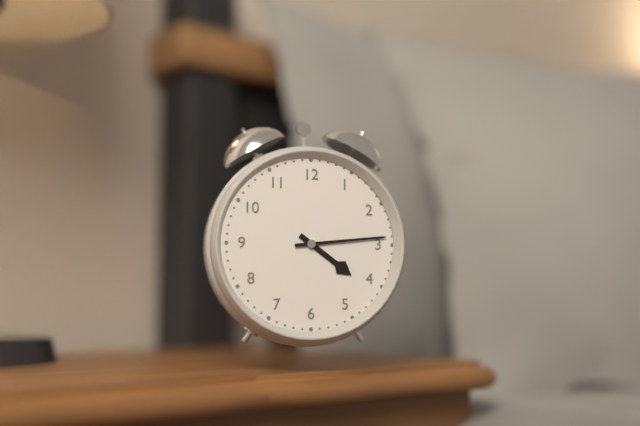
4:14
